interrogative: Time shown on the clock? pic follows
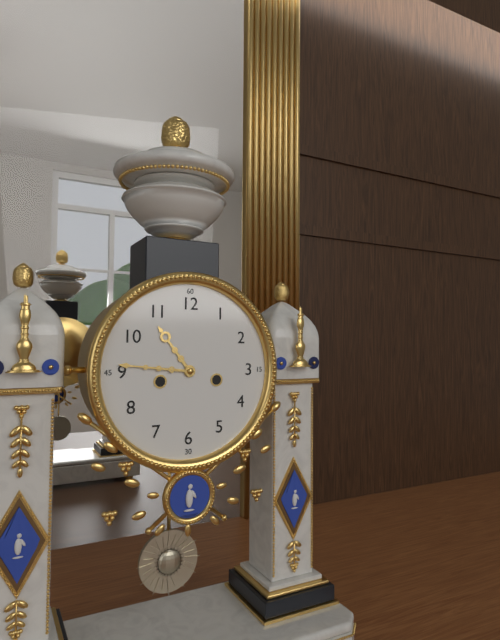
10:46
